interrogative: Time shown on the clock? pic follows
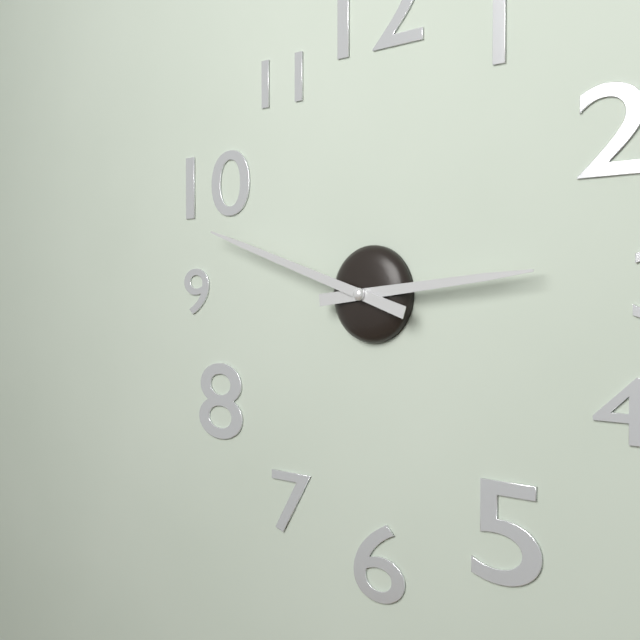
2:48
